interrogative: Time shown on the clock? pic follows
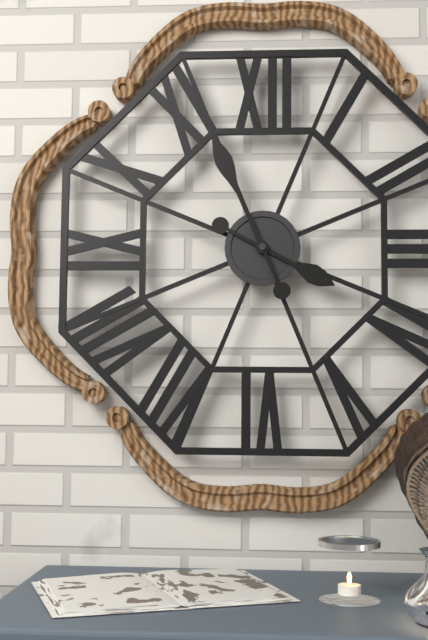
3:56
